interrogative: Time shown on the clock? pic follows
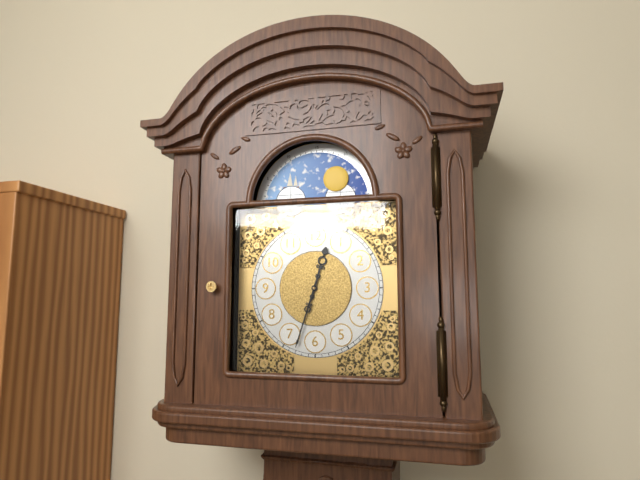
12:33
